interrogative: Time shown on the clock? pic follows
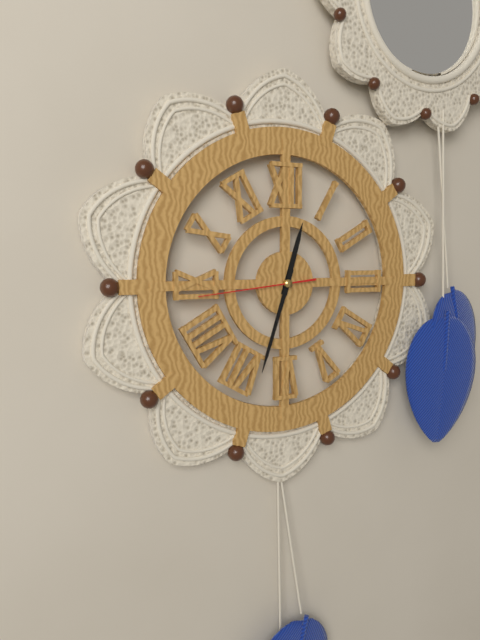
12:33:44
